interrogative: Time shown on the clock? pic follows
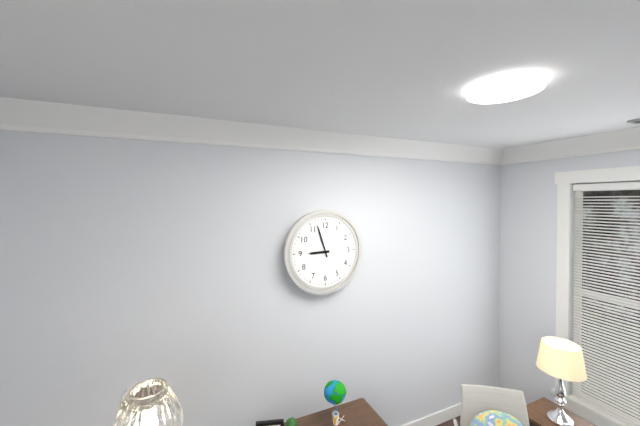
8:57
